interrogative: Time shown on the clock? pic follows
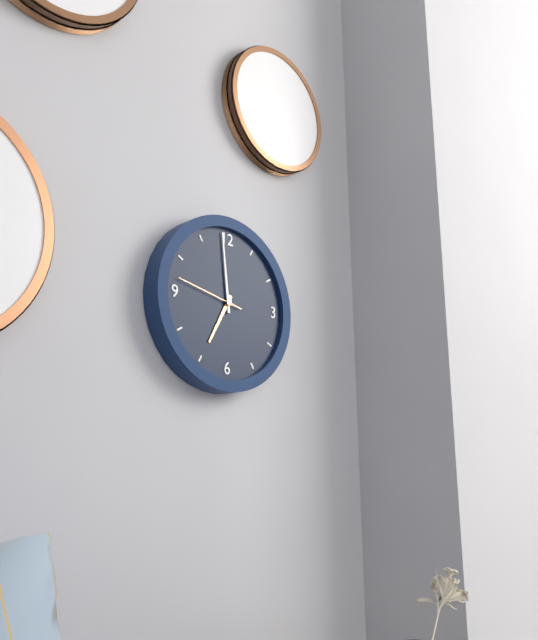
6:59:47
